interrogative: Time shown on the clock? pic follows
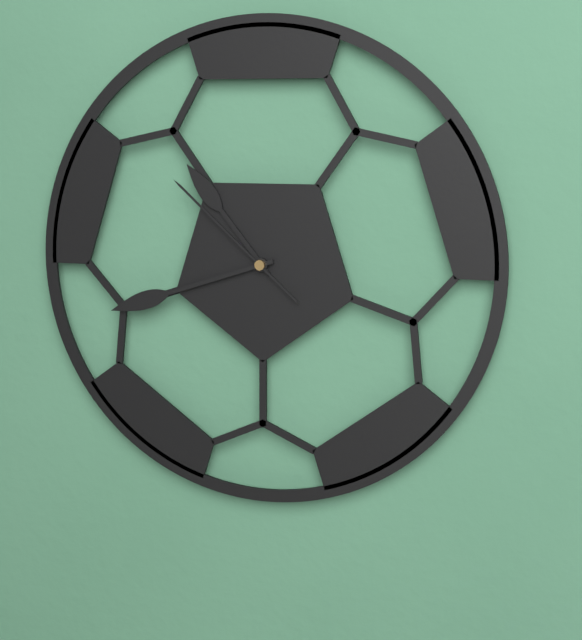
10:42:52
